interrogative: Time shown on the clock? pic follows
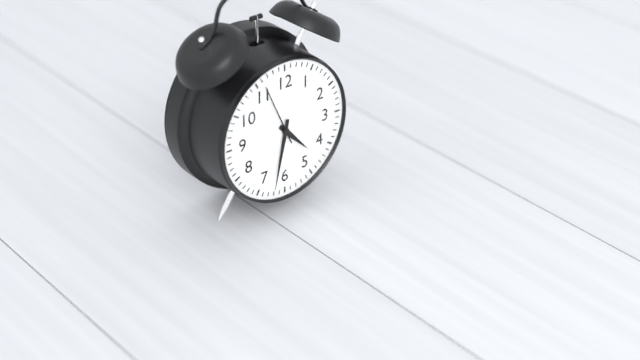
4:32:56
